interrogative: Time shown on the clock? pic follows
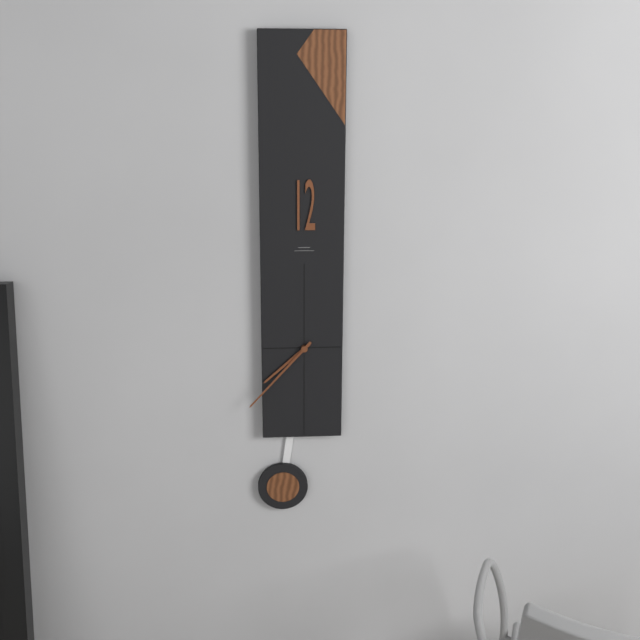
7:37
